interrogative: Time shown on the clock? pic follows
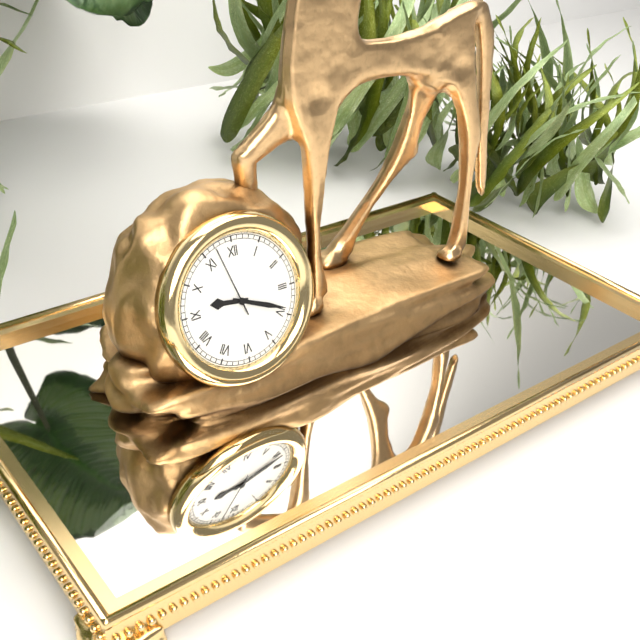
9:19:57
